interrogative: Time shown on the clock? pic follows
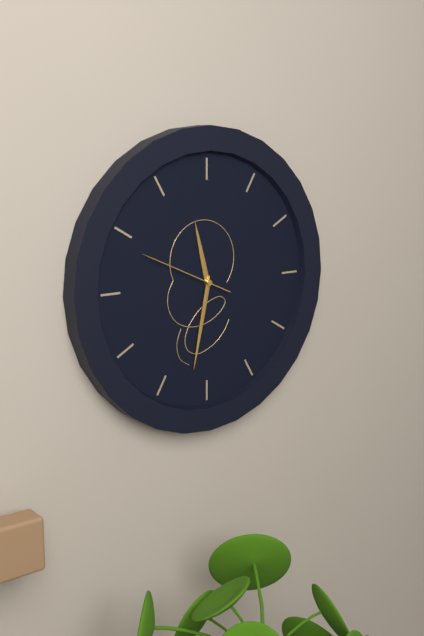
11:32:49
